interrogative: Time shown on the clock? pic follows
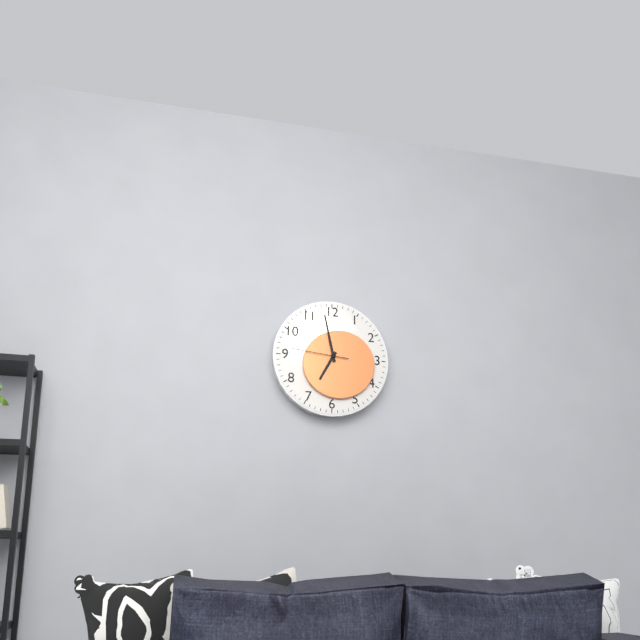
6:58:46
